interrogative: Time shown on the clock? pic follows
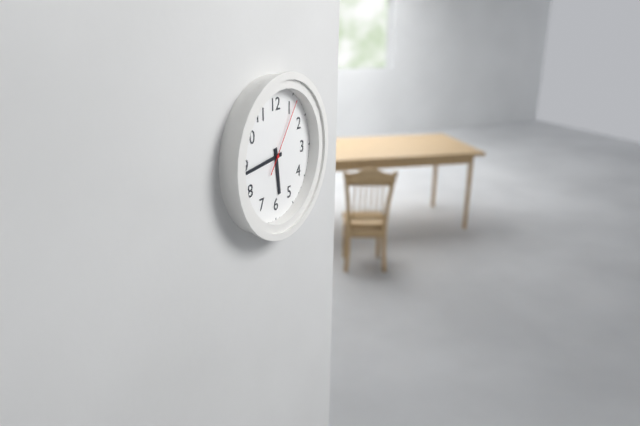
5:44:06
